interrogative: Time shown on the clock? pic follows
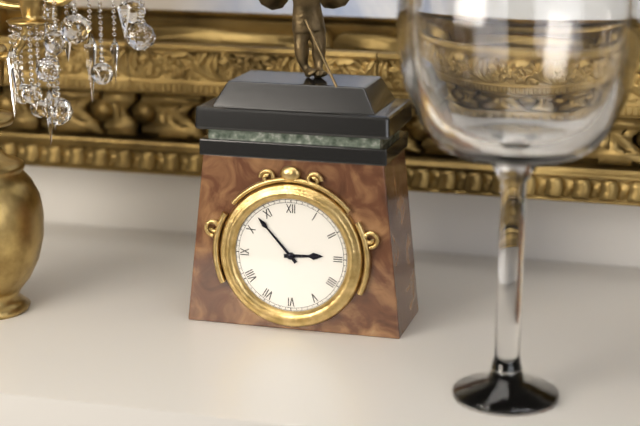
2:53
